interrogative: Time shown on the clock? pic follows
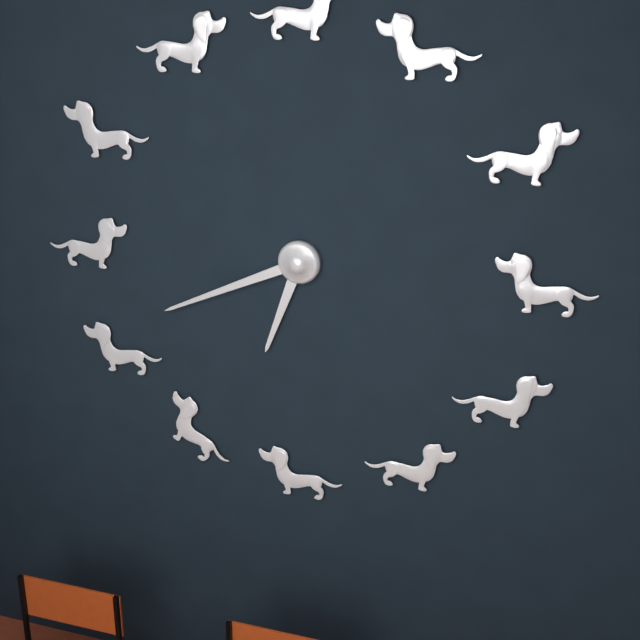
6:41
